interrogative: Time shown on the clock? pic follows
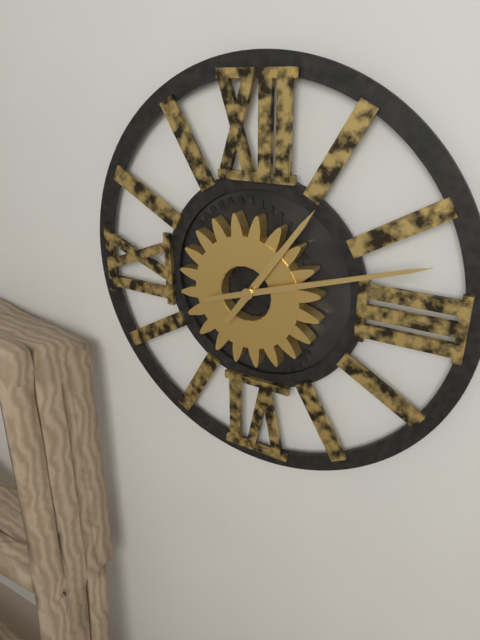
1:12
